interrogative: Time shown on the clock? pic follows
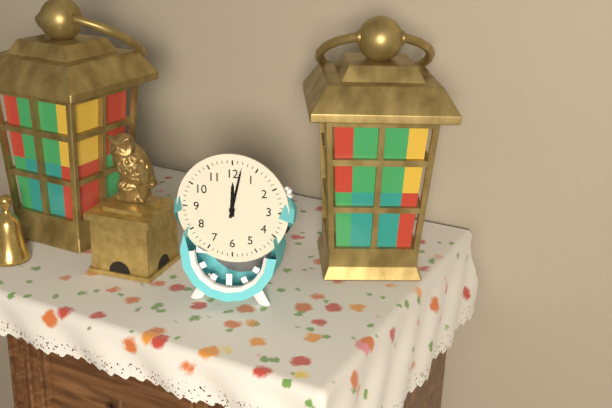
12:02
